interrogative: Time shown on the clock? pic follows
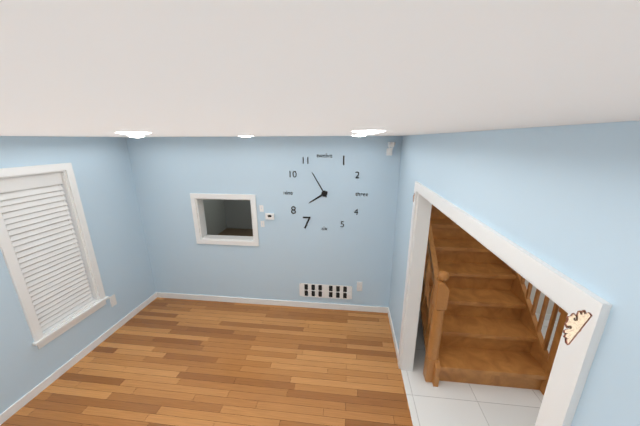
7:55
